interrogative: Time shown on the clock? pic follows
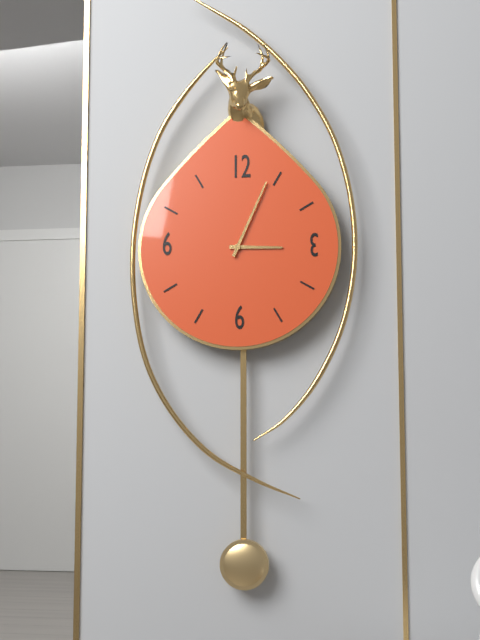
3:04
